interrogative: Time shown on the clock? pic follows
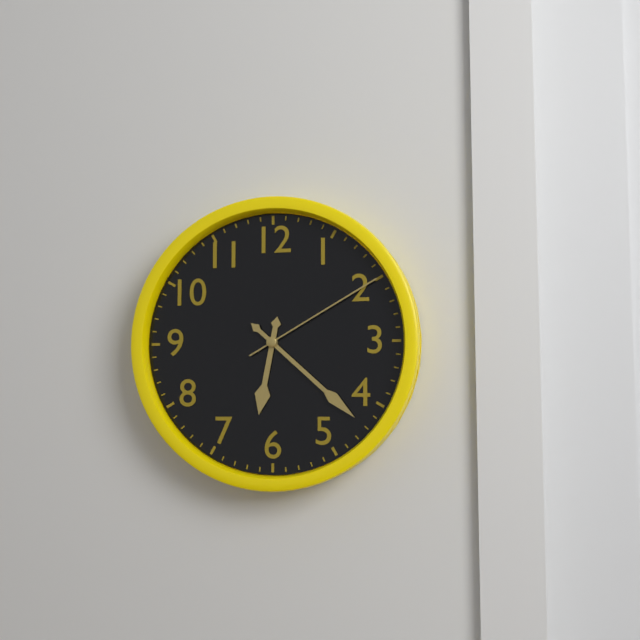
6:22:10
